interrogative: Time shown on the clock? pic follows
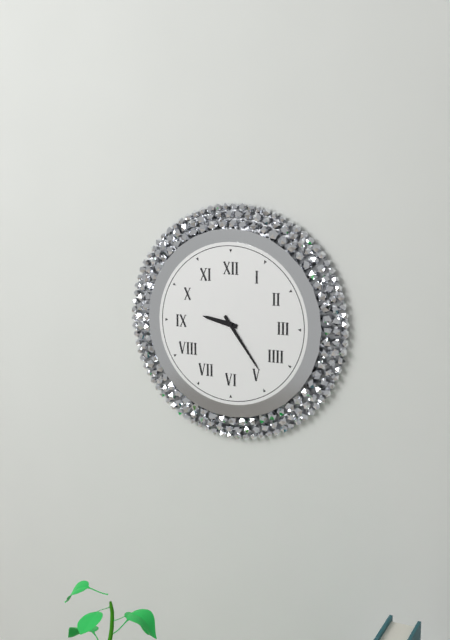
9:24
